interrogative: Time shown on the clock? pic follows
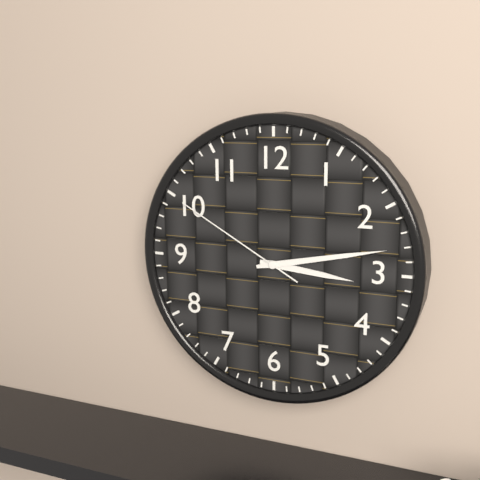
3:13:50
